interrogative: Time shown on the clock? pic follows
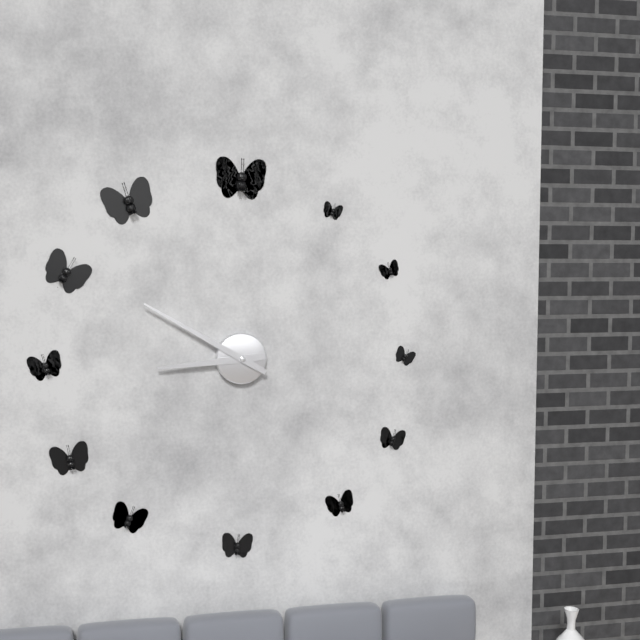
8:50
